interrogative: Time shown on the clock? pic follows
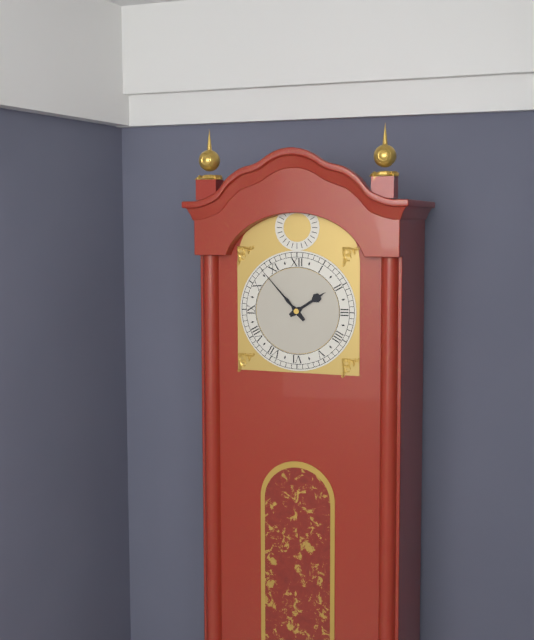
1:53
